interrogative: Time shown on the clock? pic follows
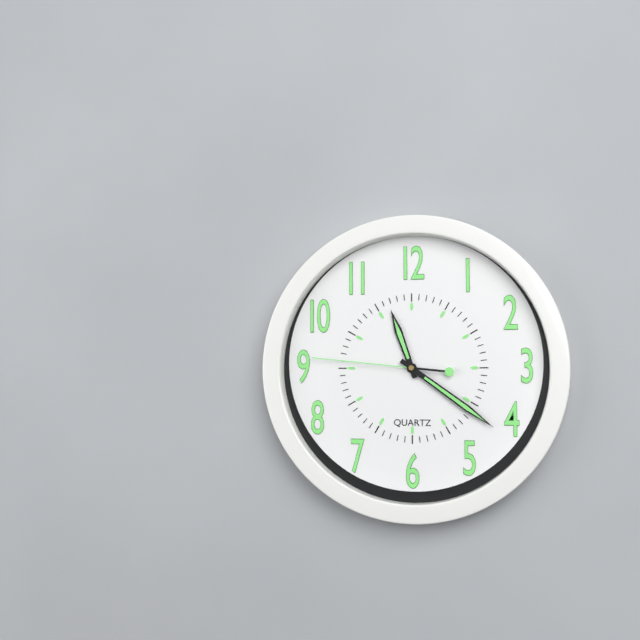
11:21:46
